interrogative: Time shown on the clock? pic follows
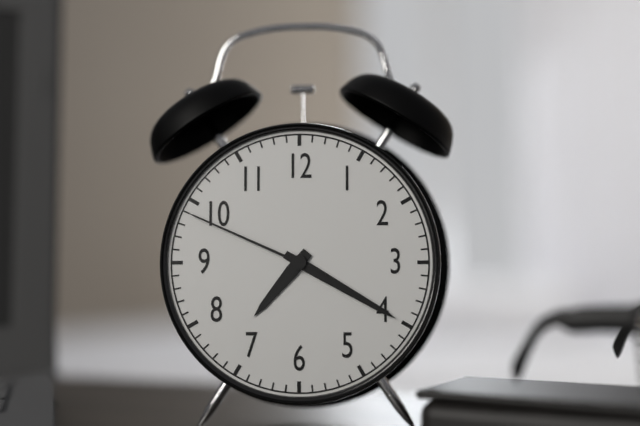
7:20:49
